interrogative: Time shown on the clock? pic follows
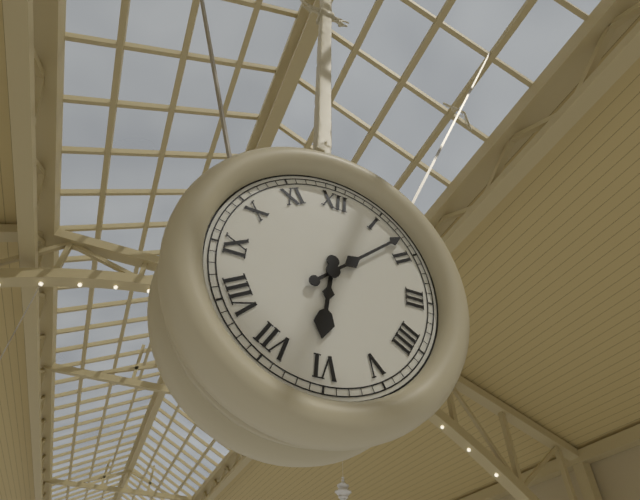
6:08
